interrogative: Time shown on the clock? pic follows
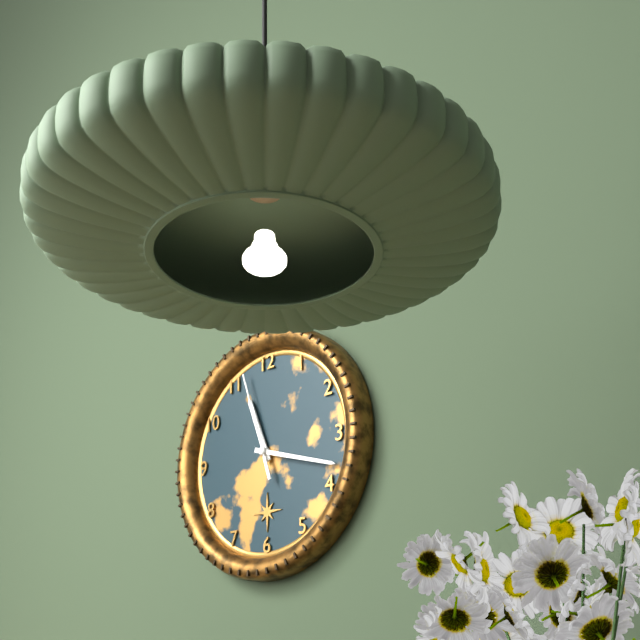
11:18:57
